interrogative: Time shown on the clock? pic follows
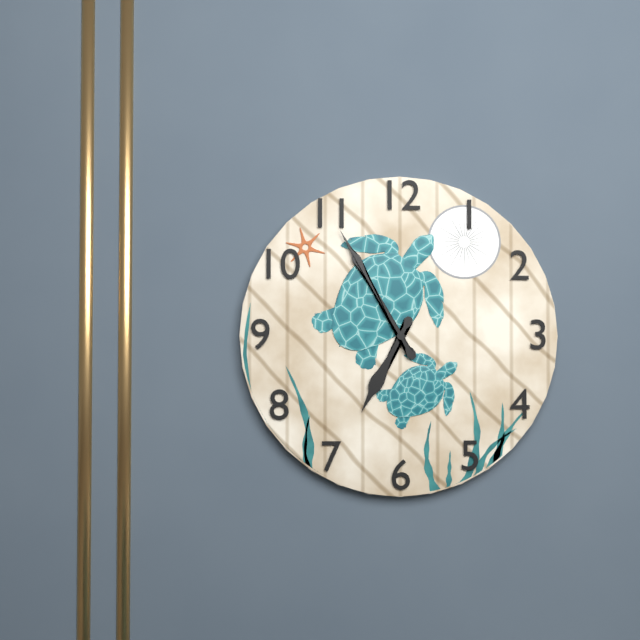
6:55
